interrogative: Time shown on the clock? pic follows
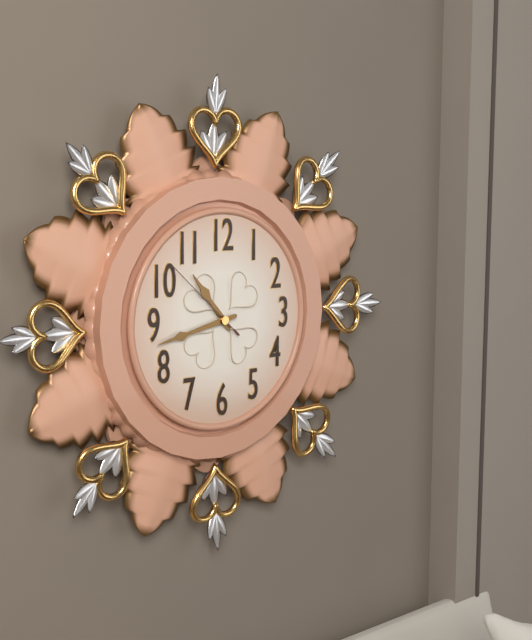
10:43:52
